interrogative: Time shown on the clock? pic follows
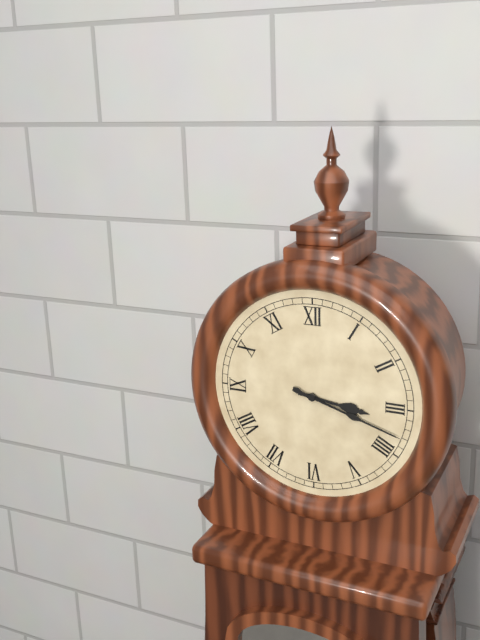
3:18
